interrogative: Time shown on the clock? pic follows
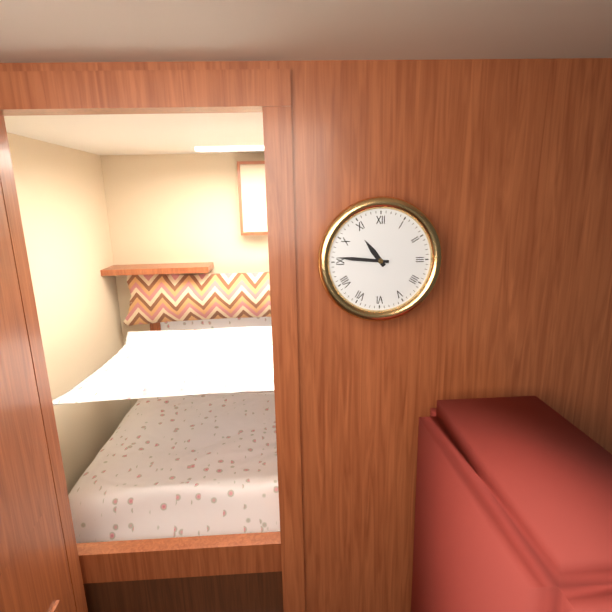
10:46
